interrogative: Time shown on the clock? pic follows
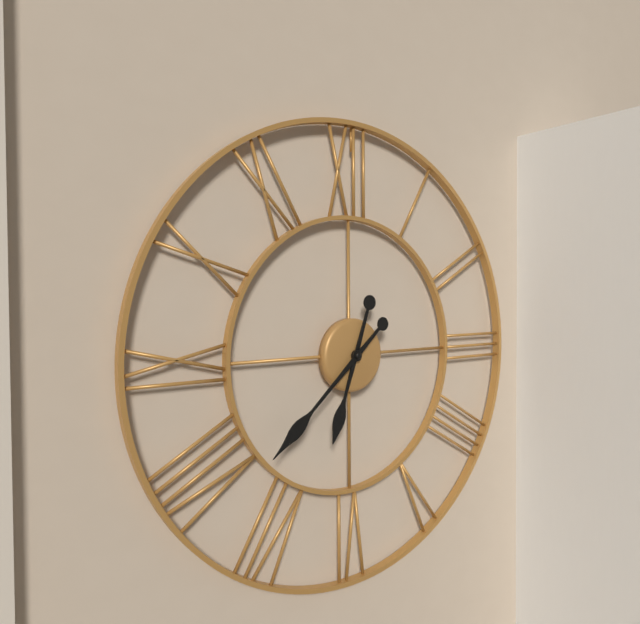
6:38
